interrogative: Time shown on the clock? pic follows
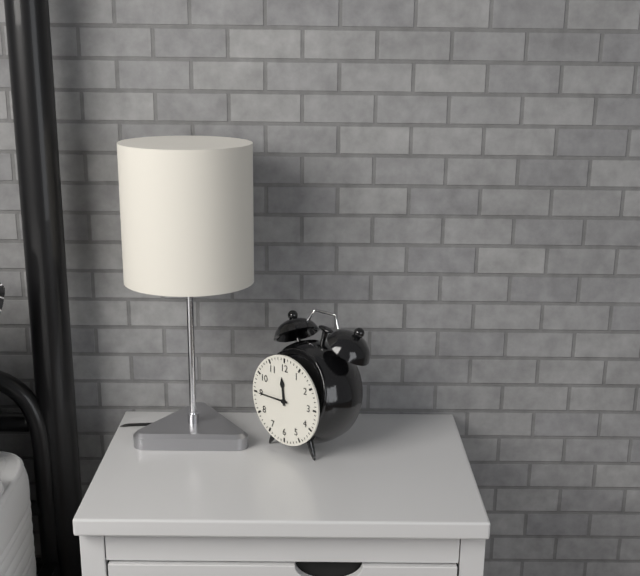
11:45
